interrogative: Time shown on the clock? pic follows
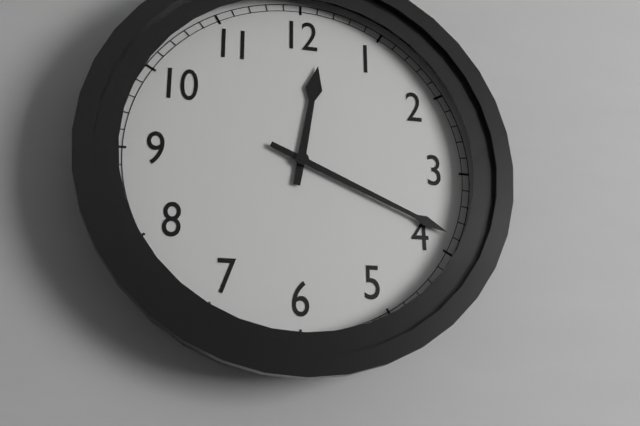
12:19
